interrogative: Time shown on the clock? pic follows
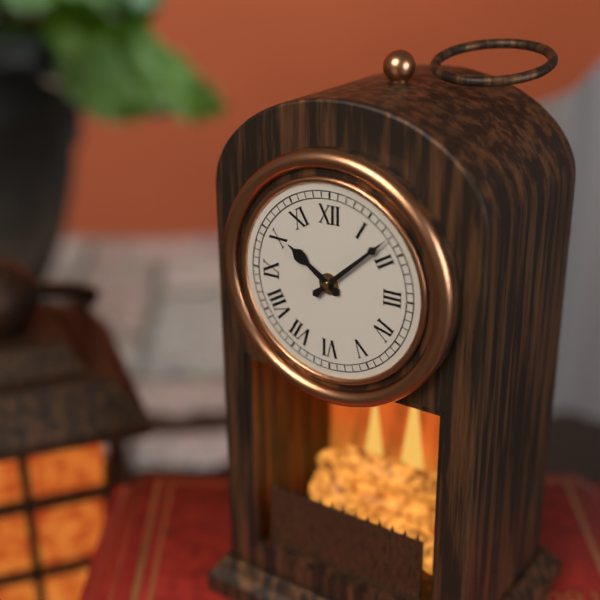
10:08
